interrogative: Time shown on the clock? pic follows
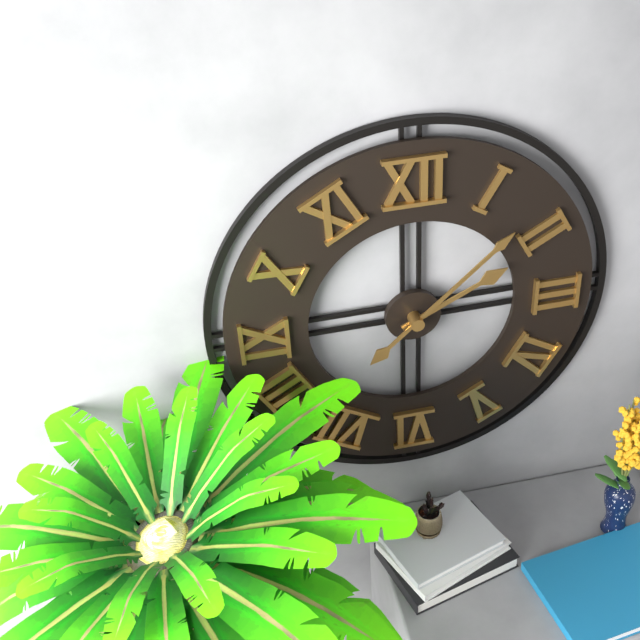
2:08
